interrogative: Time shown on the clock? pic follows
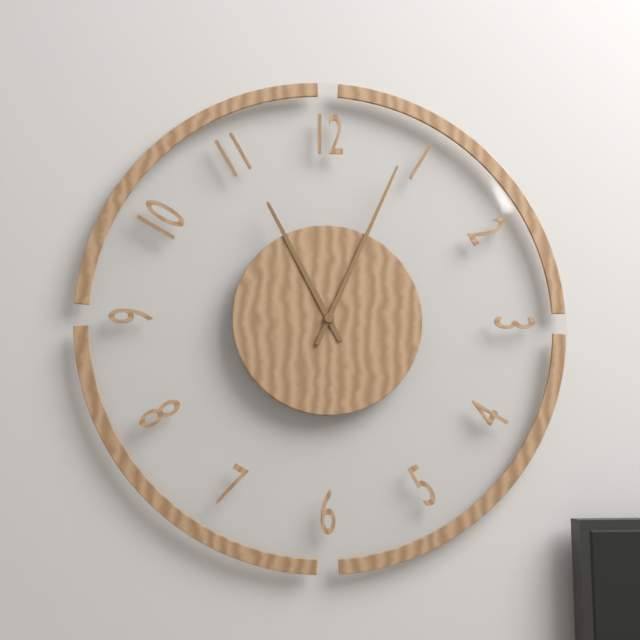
11:04
